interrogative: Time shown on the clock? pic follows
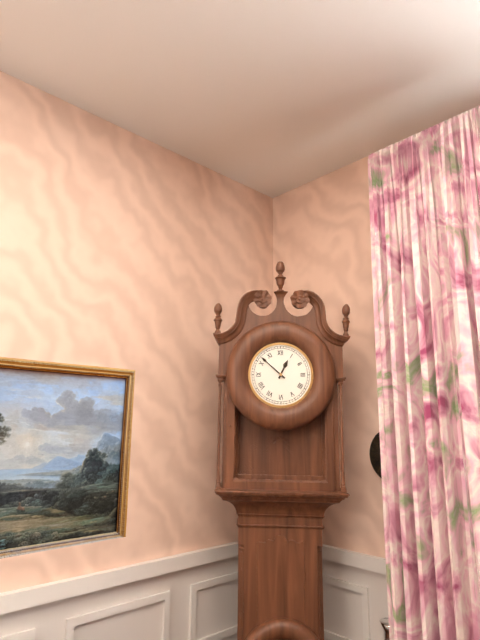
12:52
